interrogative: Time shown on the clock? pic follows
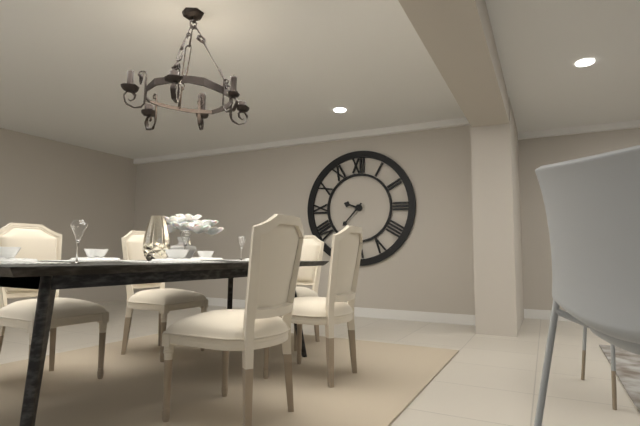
9:37
